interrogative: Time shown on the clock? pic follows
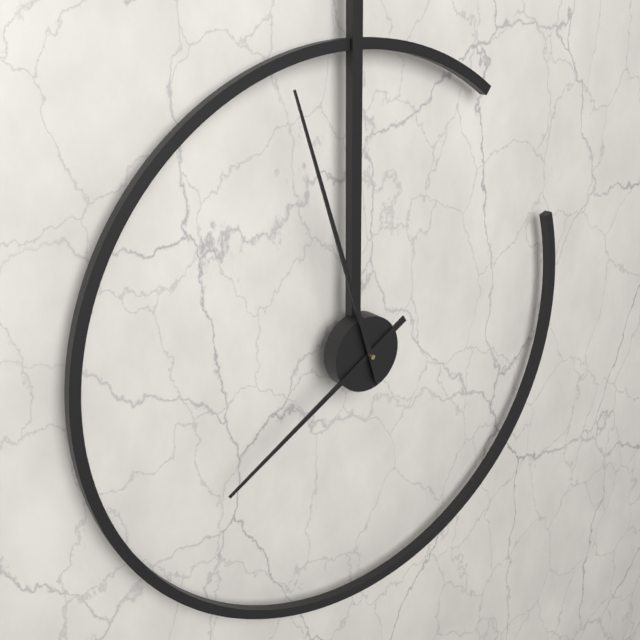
7:57
